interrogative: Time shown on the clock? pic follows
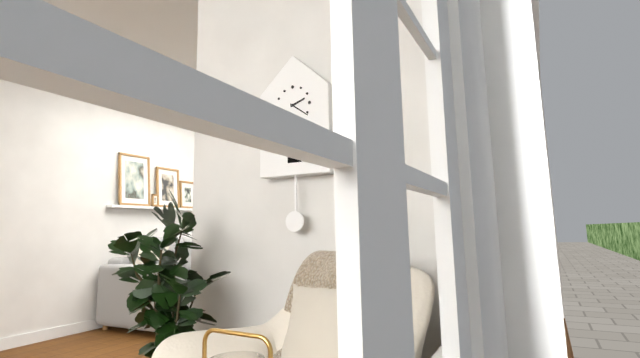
2:21
